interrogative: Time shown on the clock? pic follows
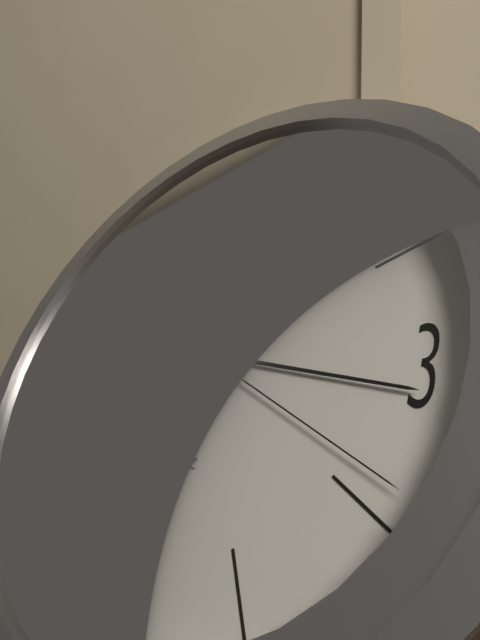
11:16:19
